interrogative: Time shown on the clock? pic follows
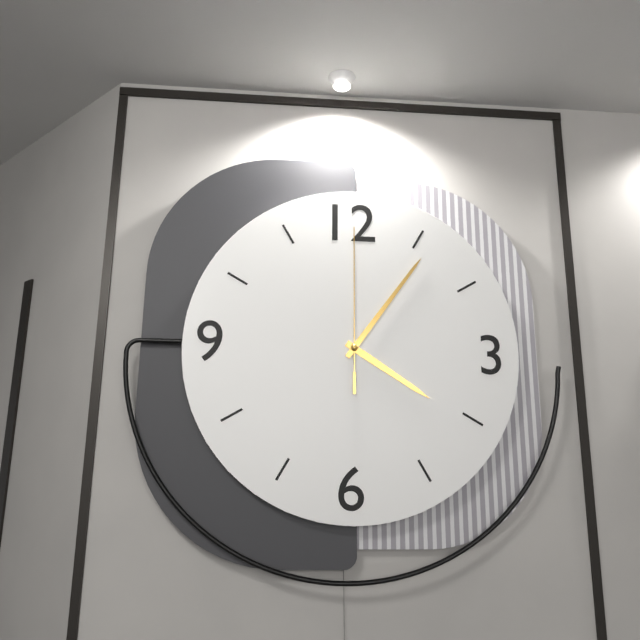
4:06:00
